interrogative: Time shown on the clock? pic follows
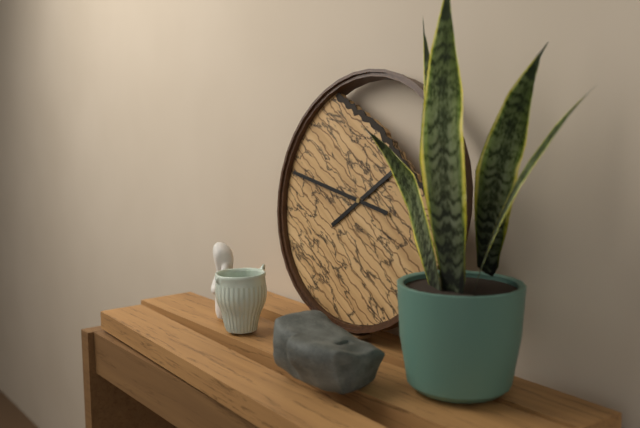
1:47
